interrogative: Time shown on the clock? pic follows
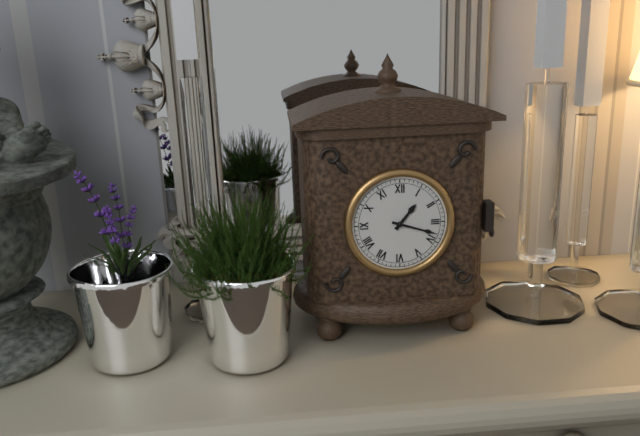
1:18
